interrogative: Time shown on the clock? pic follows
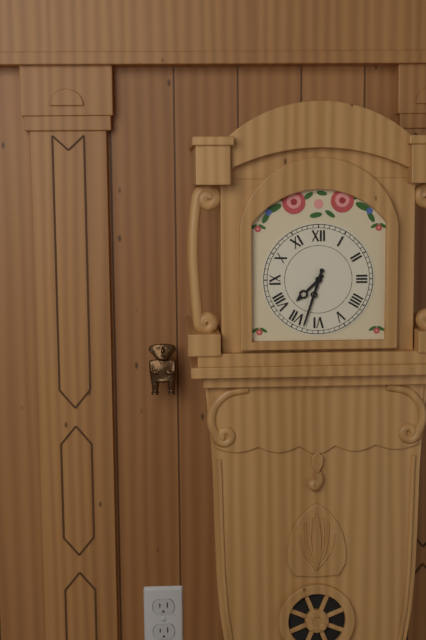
7:33
